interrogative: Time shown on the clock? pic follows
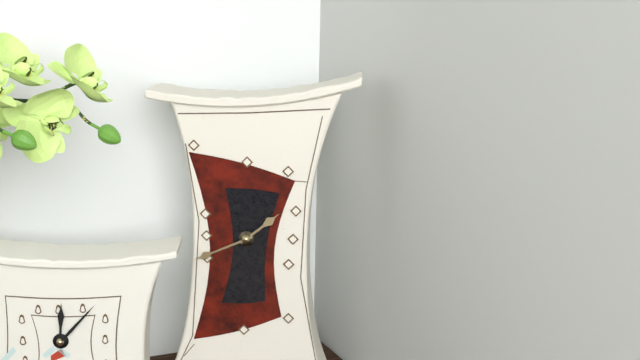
1:41
